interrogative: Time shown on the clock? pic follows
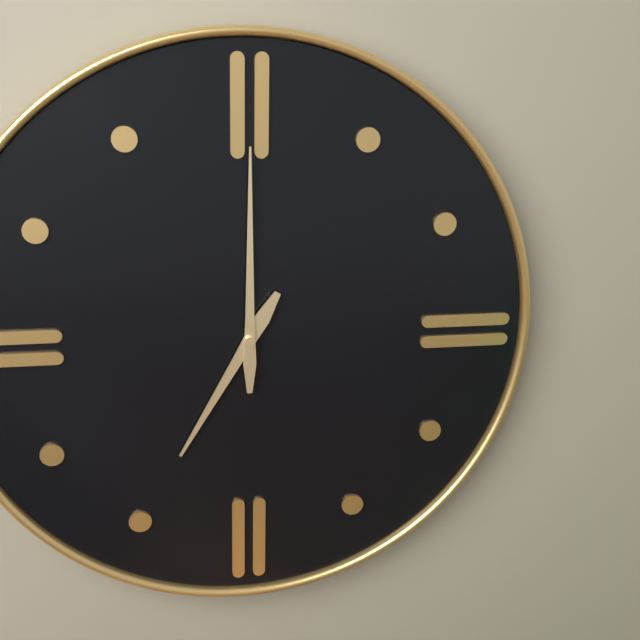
7:00
